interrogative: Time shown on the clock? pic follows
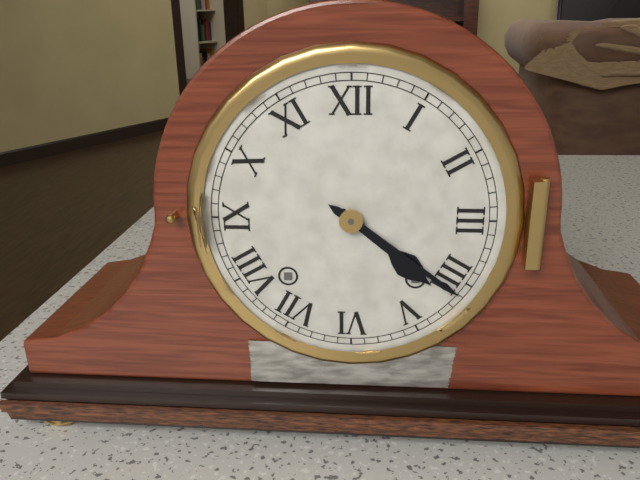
4:21
